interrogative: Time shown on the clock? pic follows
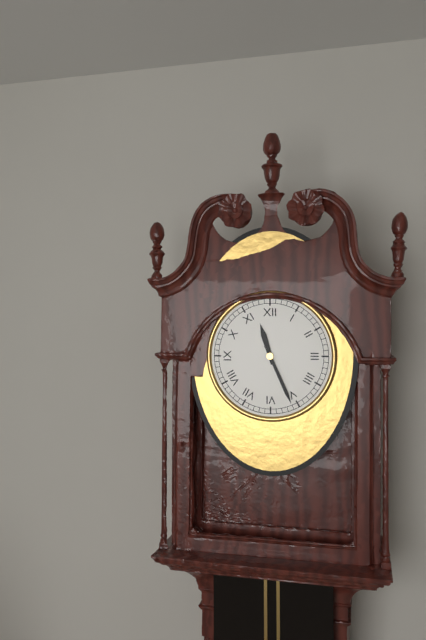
11:26
